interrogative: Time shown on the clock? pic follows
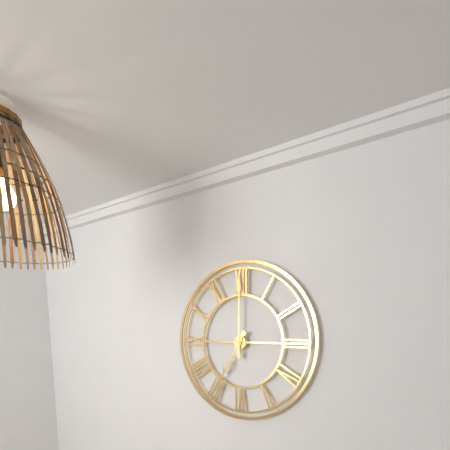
7:00
